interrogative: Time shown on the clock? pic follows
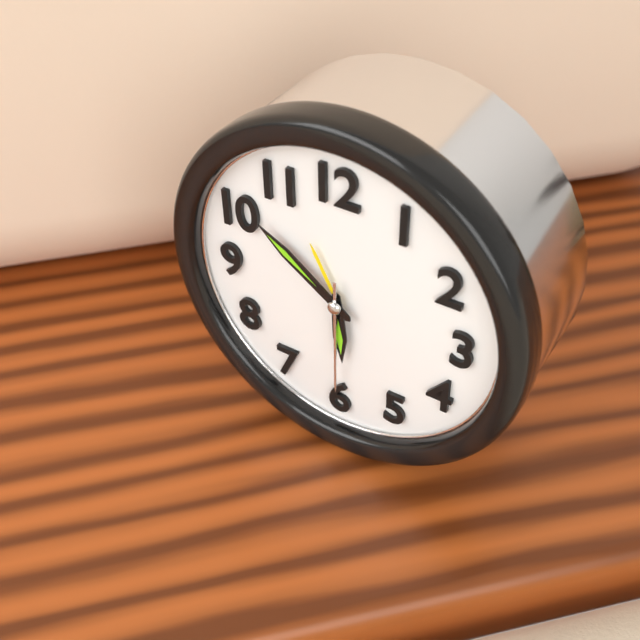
5:51:30
